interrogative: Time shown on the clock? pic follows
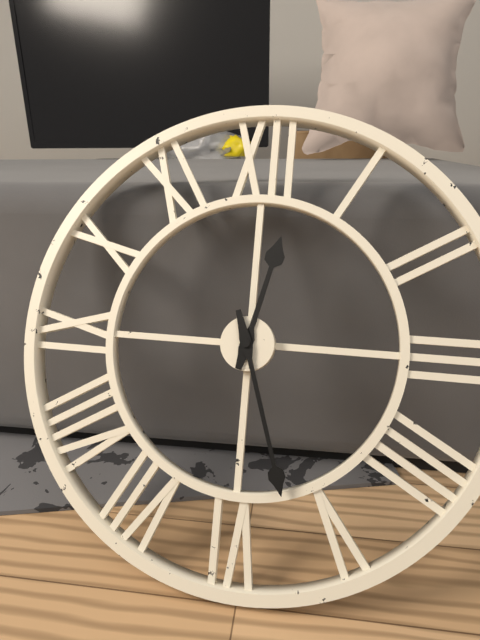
12:27
